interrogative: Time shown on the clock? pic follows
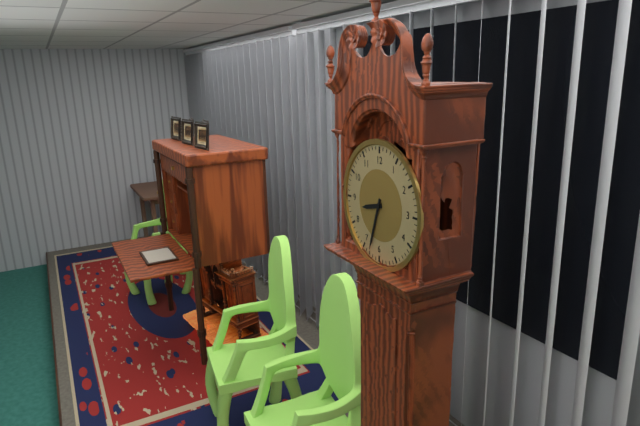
8:33
